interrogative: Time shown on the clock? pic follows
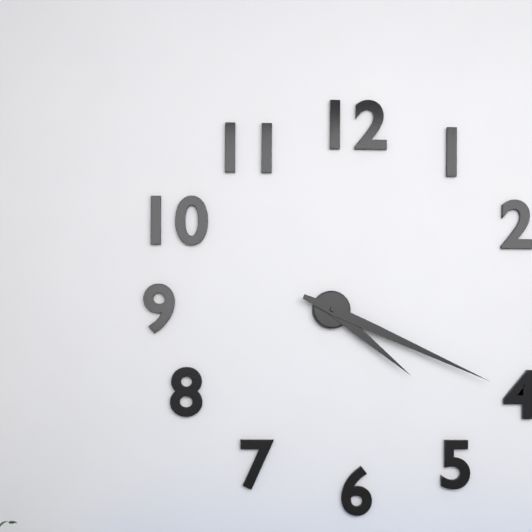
4:19
